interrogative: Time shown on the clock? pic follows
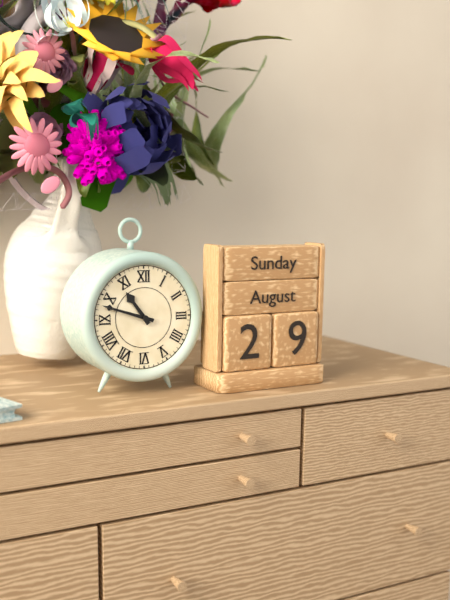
10:48
